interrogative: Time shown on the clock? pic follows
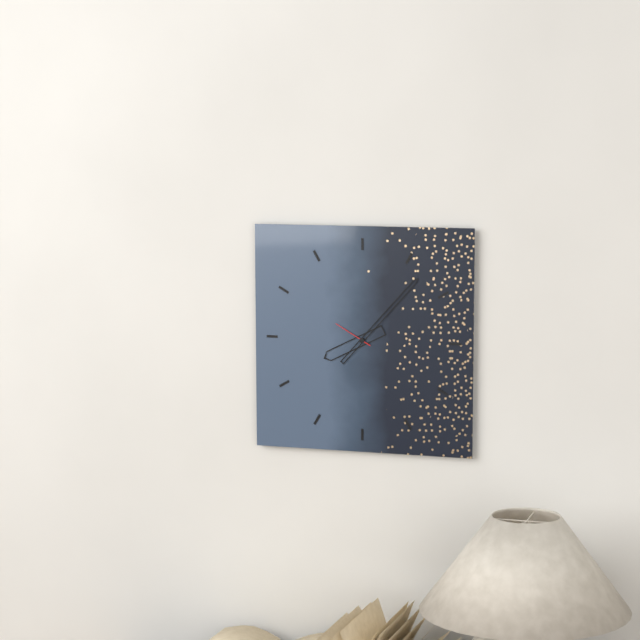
8:07
